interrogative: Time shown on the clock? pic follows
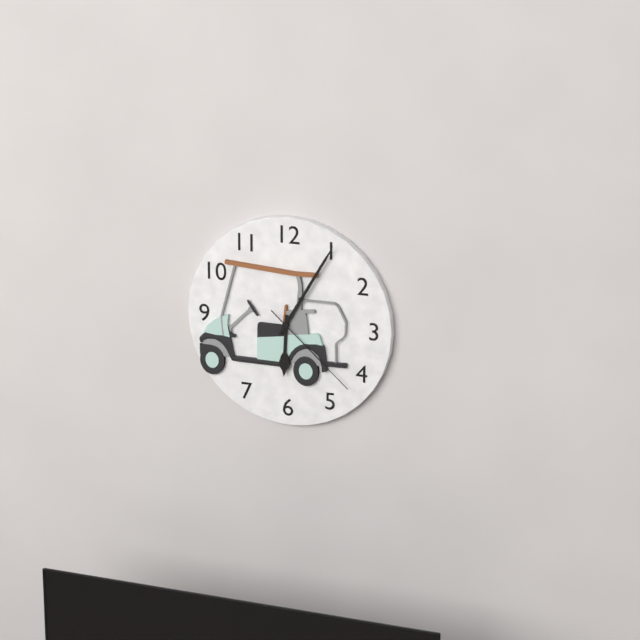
6:05:22
